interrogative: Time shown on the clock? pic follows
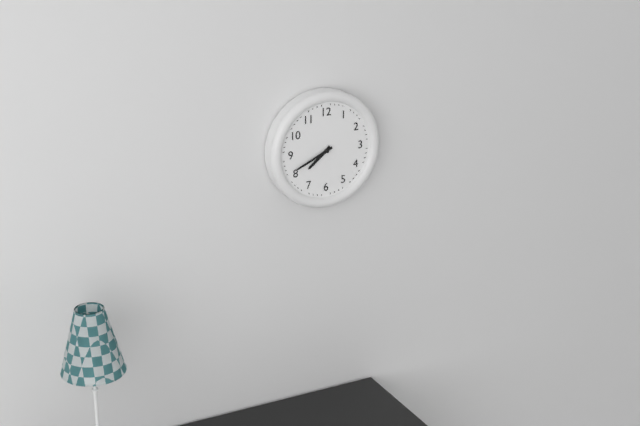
7:41
